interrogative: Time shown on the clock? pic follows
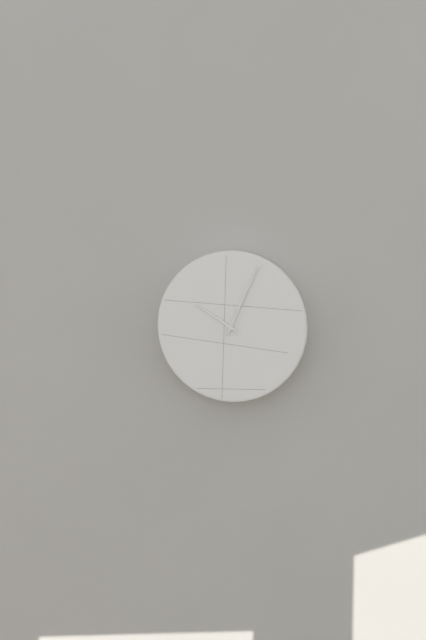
10:04
